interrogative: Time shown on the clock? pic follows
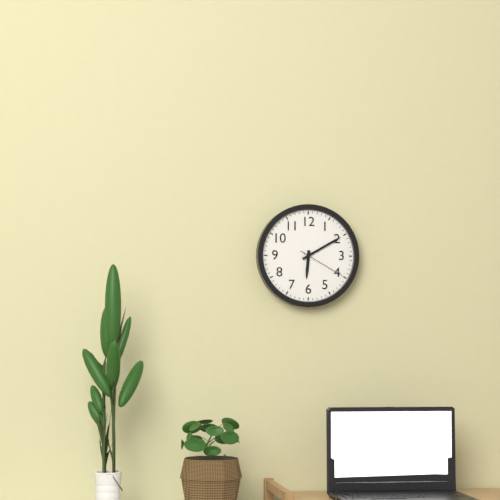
6:10:20
